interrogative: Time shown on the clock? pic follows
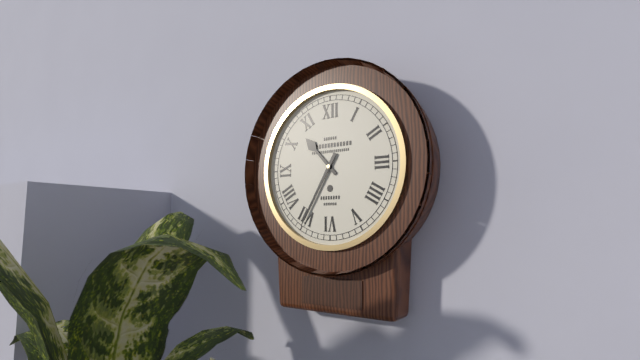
10:35
